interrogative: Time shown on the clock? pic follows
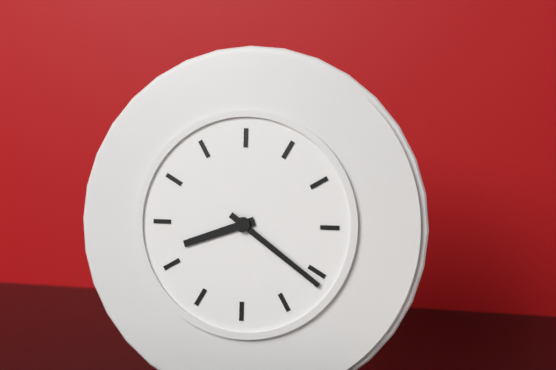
8:21
